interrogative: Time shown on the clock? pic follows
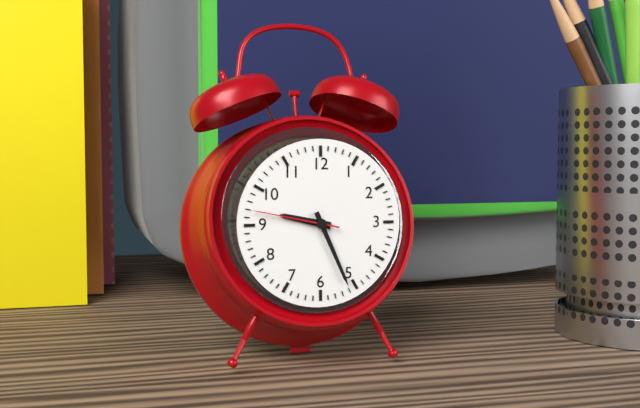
9:26:47
